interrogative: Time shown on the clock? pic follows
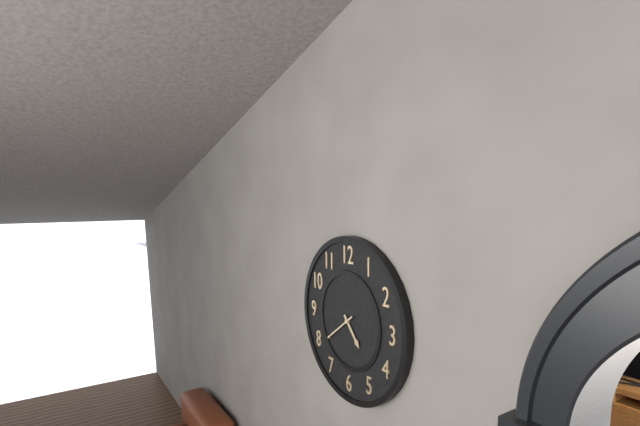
4:39
